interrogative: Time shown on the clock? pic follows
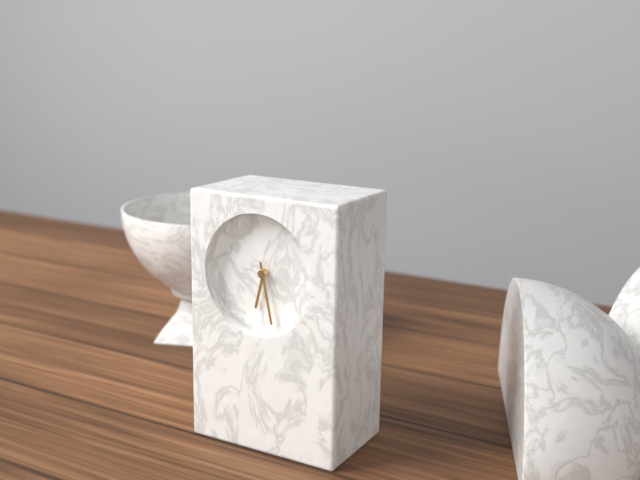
6:28
